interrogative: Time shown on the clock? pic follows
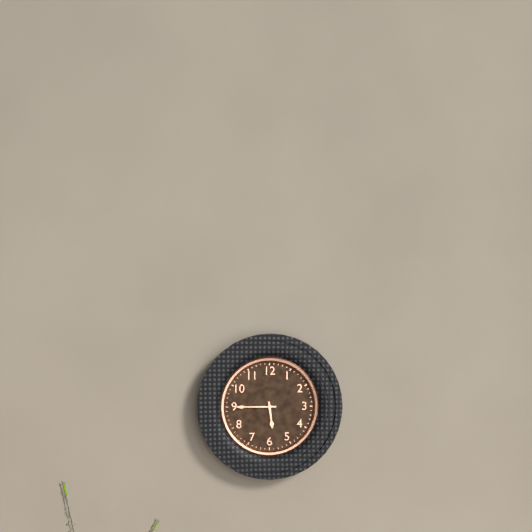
5:45
